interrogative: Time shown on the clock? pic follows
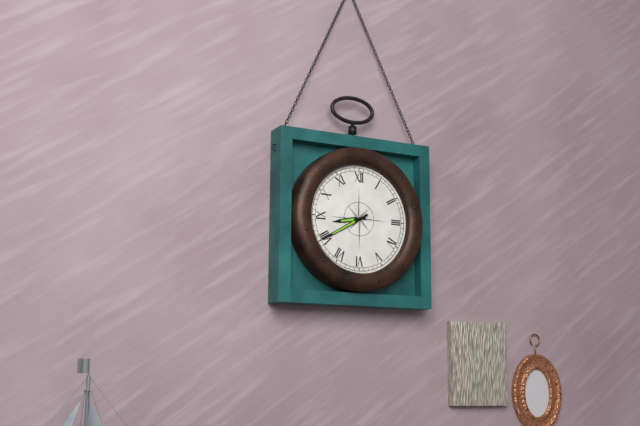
8:40
